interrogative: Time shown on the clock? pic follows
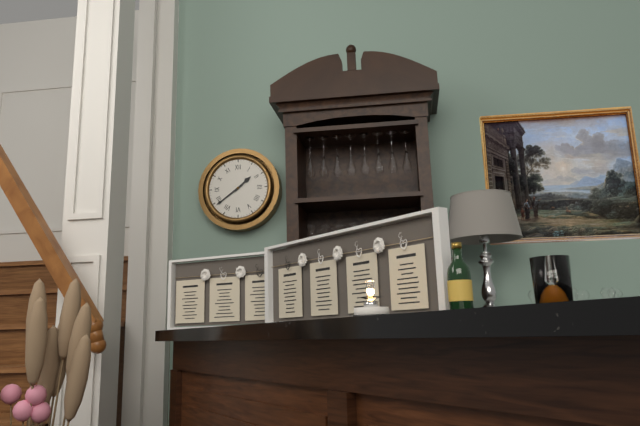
1:39
